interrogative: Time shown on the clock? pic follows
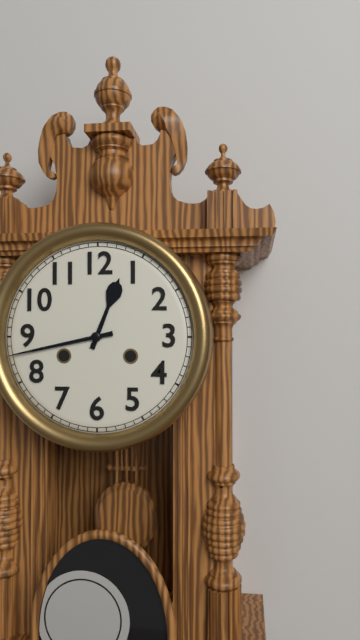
12:43
